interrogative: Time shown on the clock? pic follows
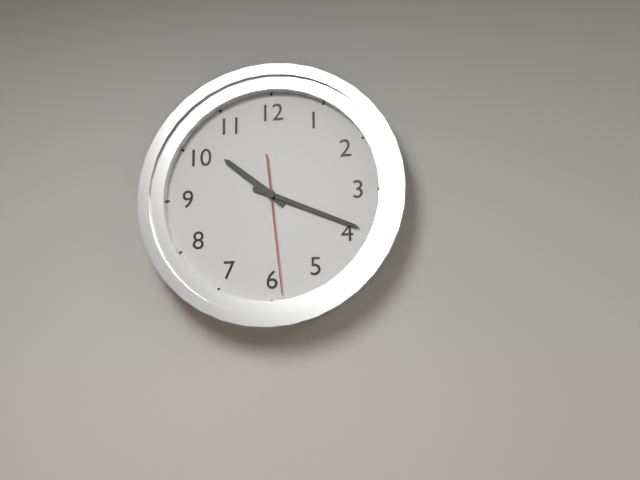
10:19:29
